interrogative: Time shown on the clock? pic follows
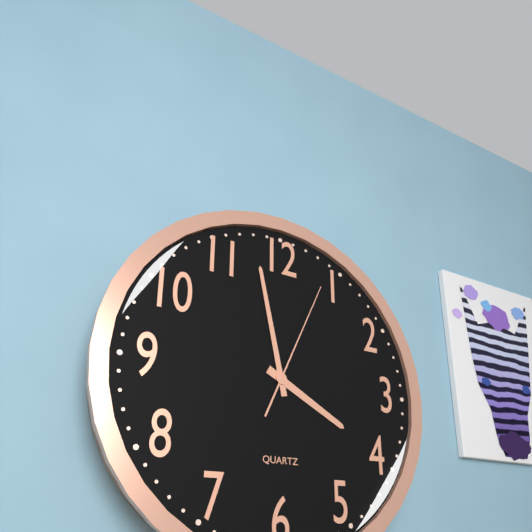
3:58:04
